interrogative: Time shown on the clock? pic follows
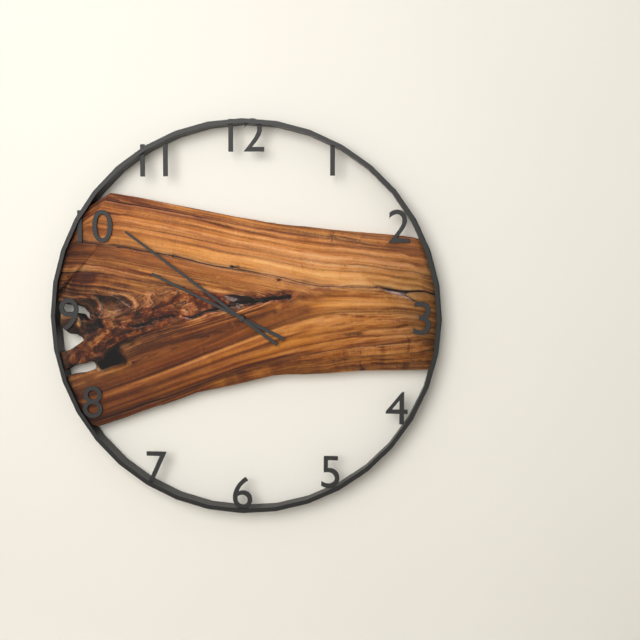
9:51
